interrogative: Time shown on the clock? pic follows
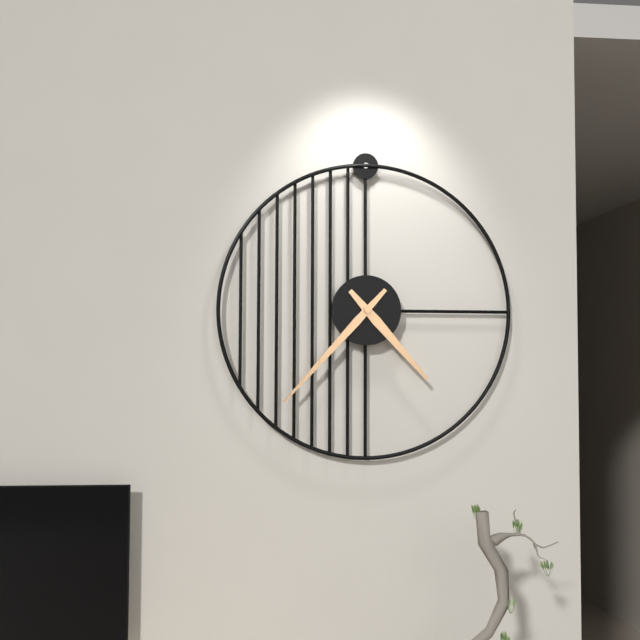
4:37
